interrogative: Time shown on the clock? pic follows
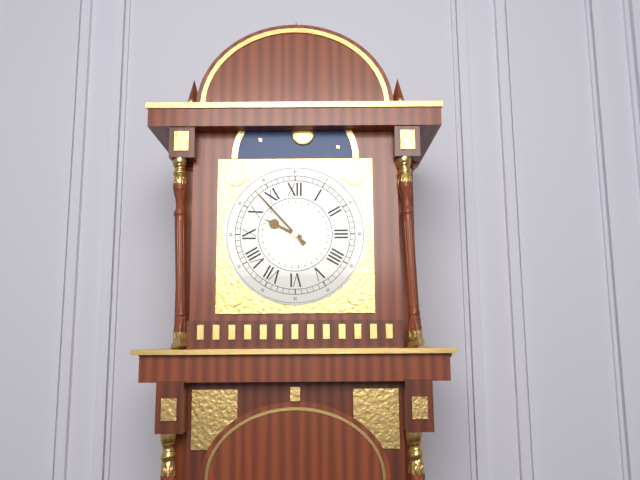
9:53
